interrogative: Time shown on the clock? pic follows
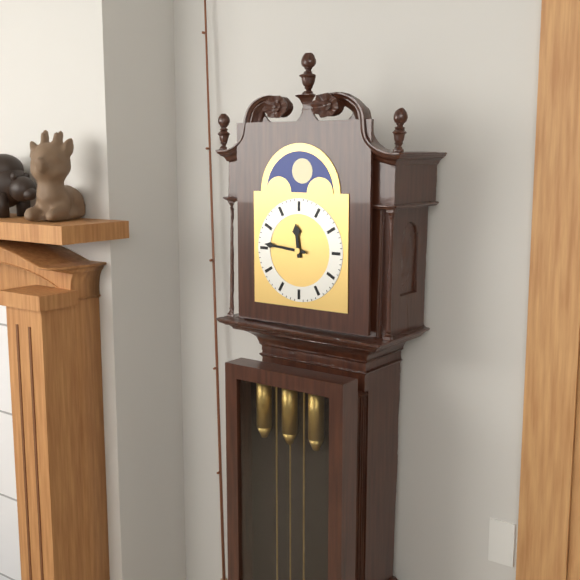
11:46
